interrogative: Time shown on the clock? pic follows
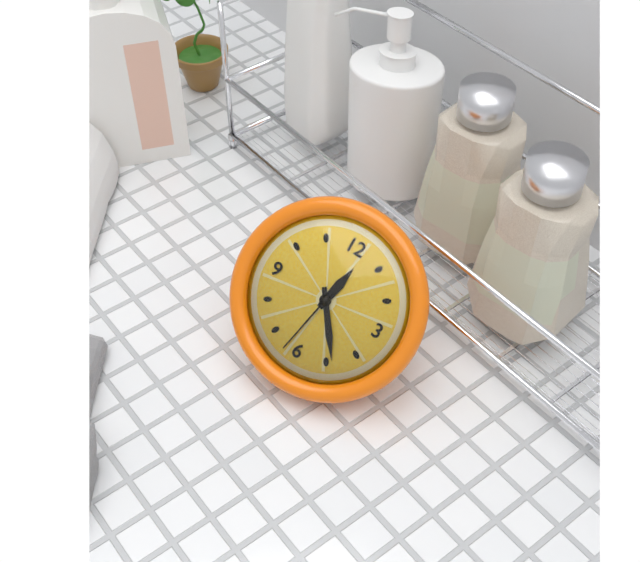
12:24:32
